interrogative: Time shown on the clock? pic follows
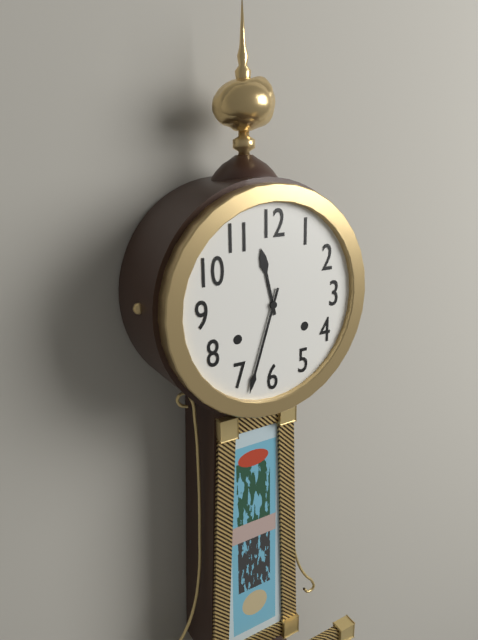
11:33
